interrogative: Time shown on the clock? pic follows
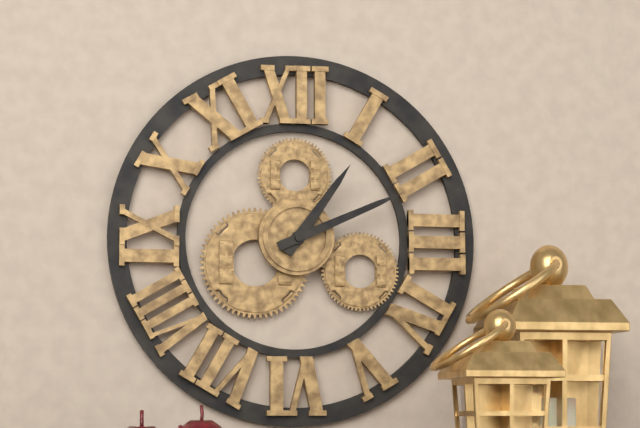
1:11
